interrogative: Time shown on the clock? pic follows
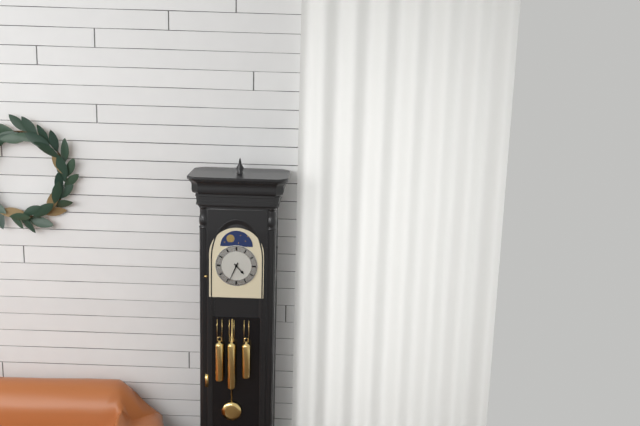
4:34
